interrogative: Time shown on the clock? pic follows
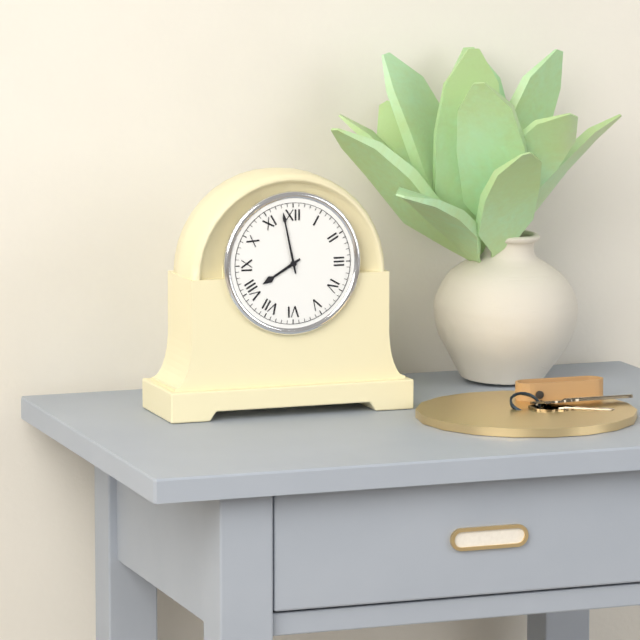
7:58
